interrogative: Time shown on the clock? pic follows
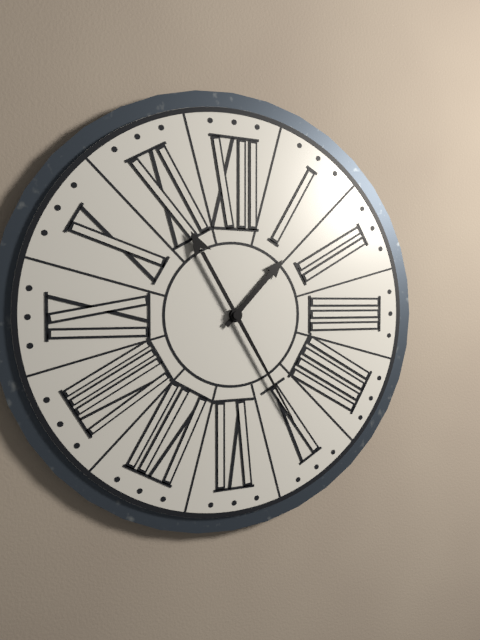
1:25
